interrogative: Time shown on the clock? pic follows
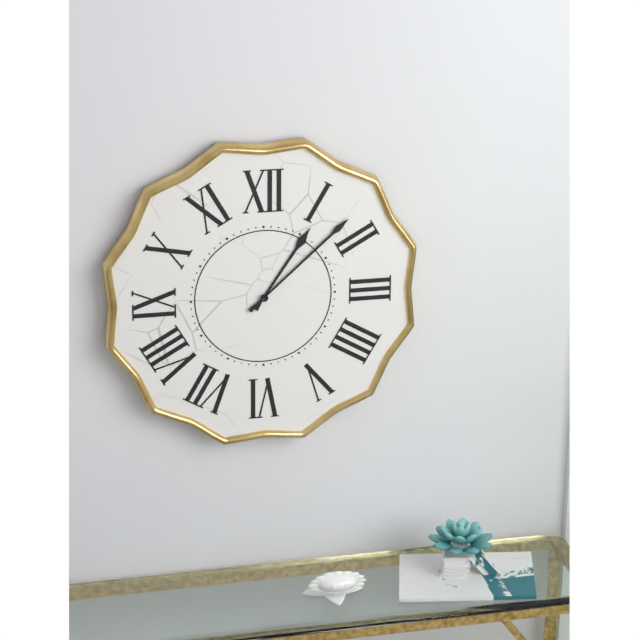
1:08
